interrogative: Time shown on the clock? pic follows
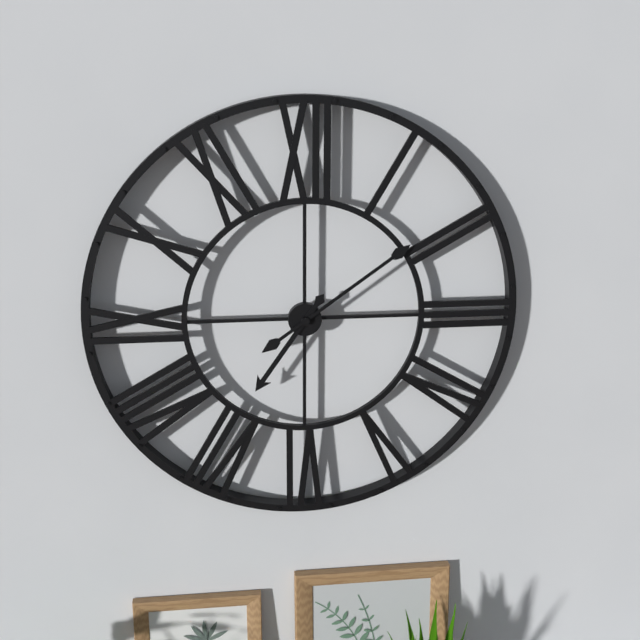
7:09
